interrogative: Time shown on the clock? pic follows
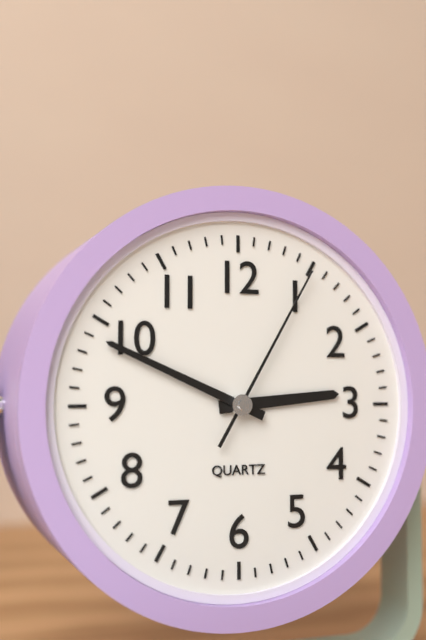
2:49:05
